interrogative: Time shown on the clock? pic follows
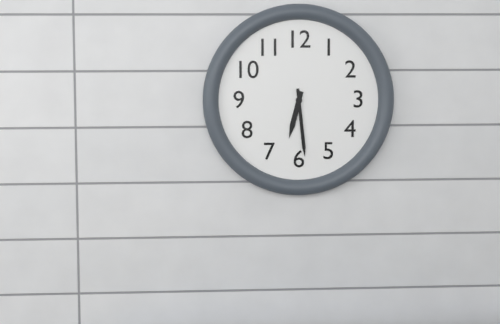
6:29
